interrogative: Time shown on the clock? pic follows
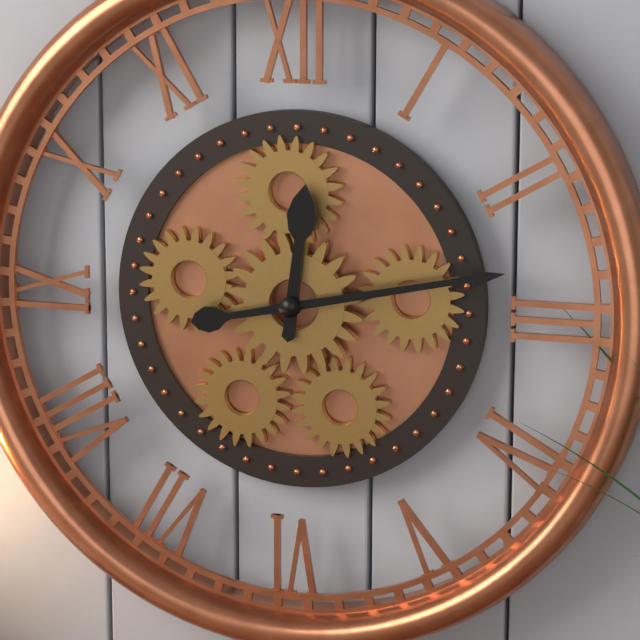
12:13
